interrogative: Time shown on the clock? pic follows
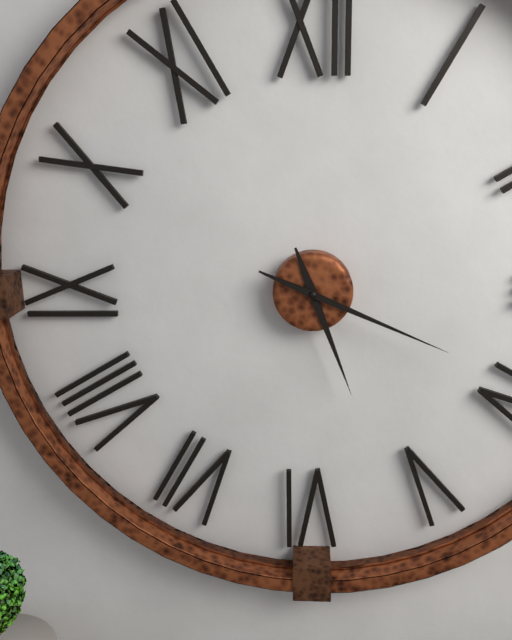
5:19
